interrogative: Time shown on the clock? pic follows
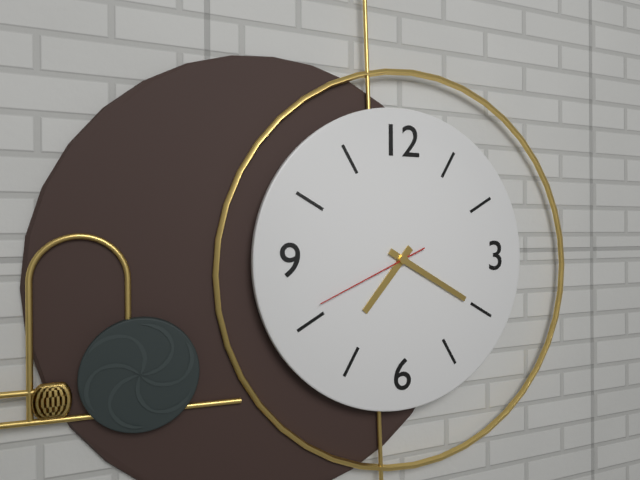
7:20:41
